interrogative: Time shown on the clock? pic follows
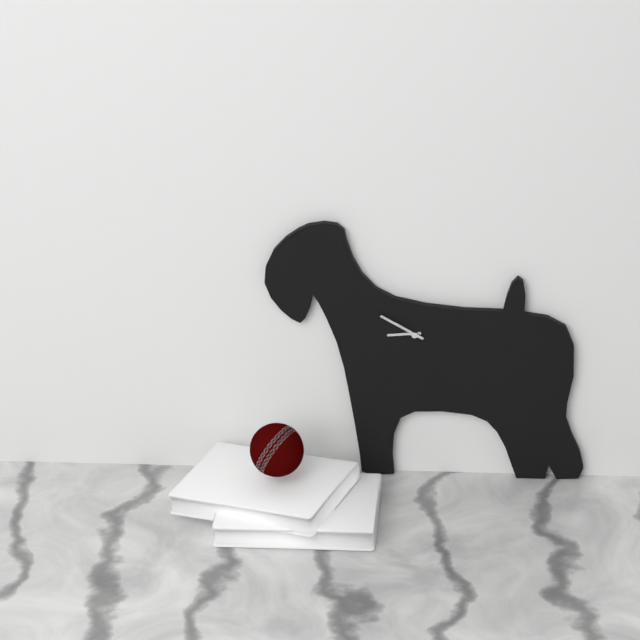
8:50
